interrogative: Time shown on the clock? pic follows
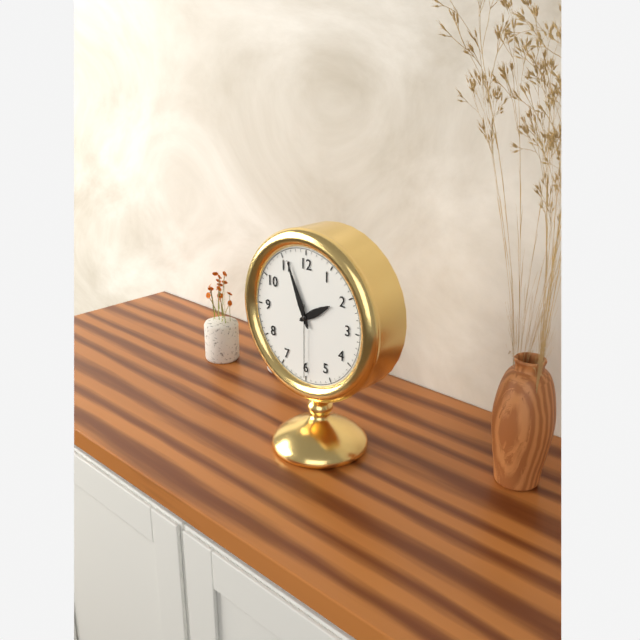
1:56:30
